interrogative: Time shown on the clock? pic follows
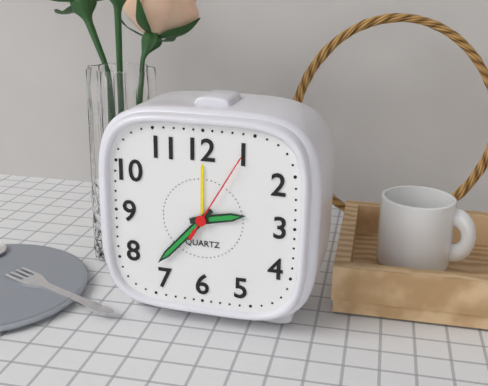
2:37:05
